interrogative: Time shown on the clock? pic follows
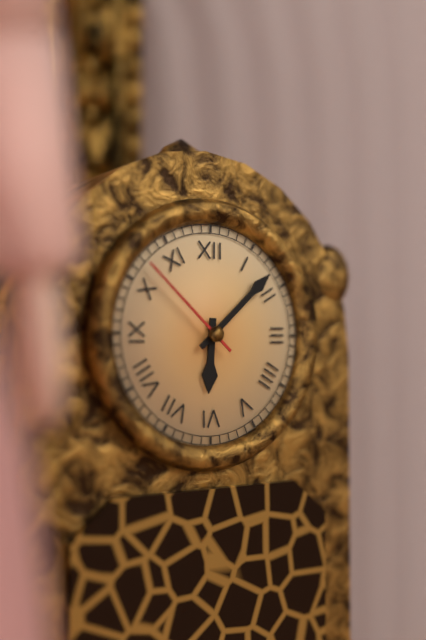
6:08:52
